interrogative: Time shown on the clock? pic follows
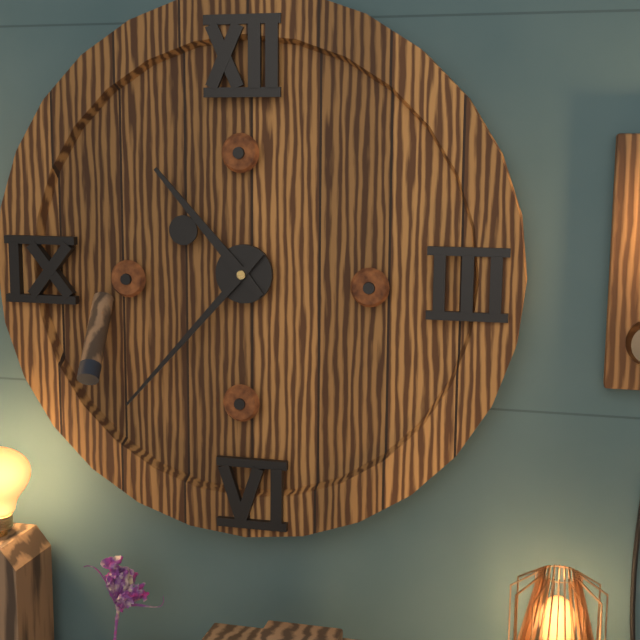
10:37
